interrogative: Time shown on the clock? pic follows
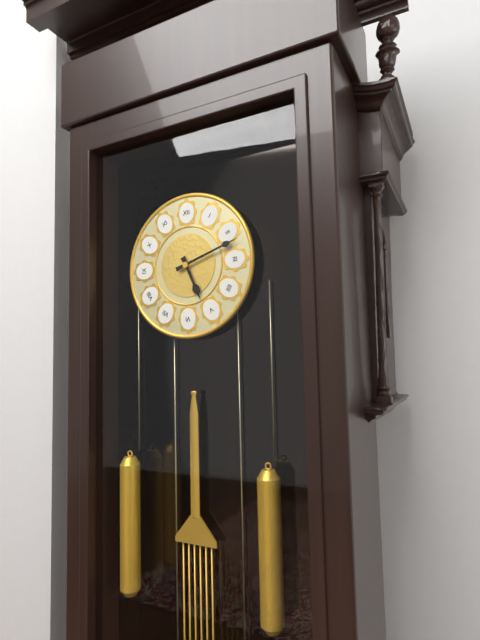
5:12
